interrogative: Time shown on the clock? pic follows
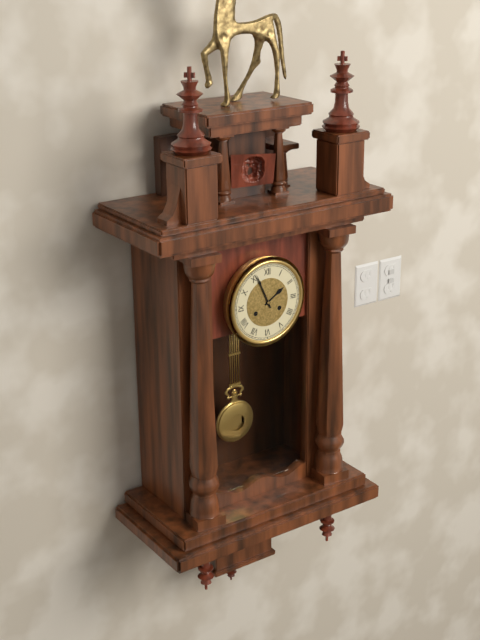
1:56
